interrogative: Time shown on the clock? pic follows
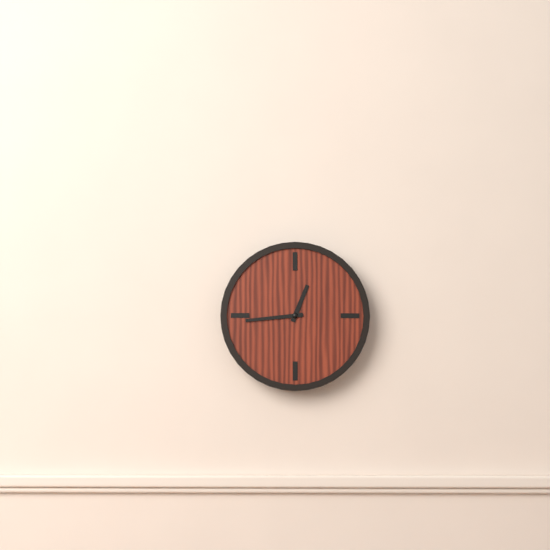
12:44
